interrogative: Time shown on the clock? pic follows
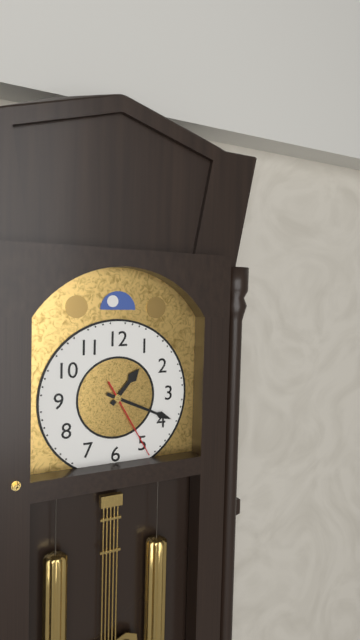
1:19:25
